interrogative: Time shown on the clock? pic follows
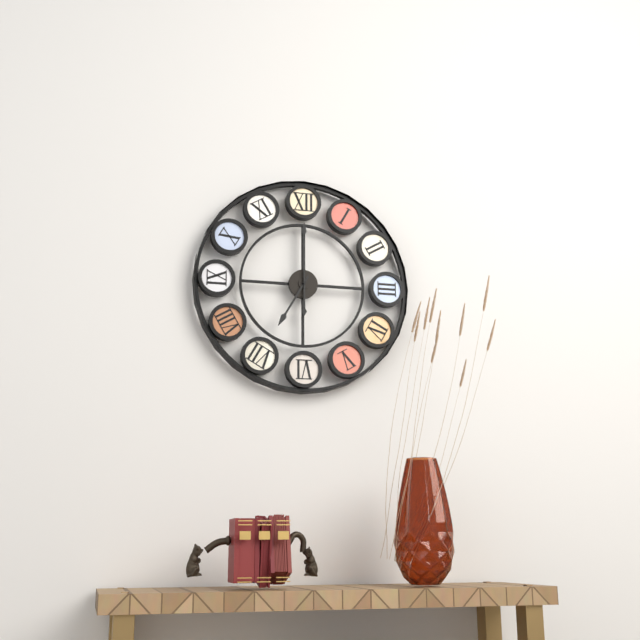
7:00
